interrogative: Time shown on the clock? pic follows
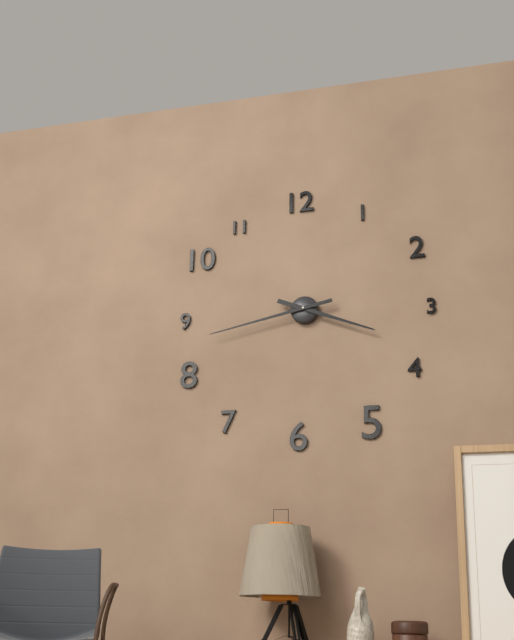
3:43
